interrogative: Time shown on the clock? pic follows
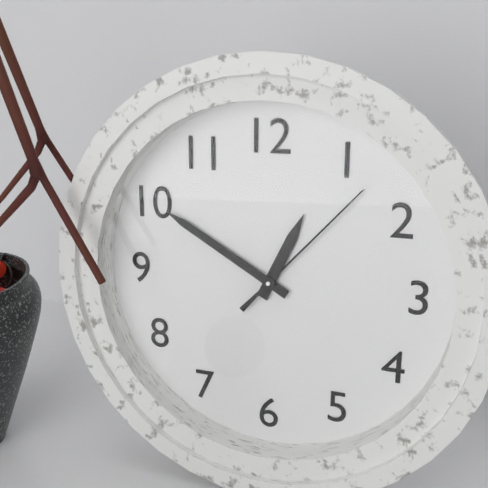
12:50:07
